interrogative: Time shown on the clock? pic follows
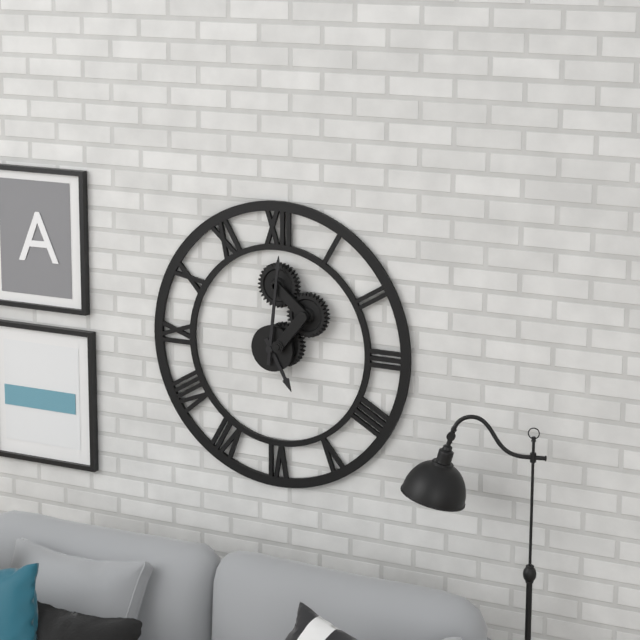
5:01
